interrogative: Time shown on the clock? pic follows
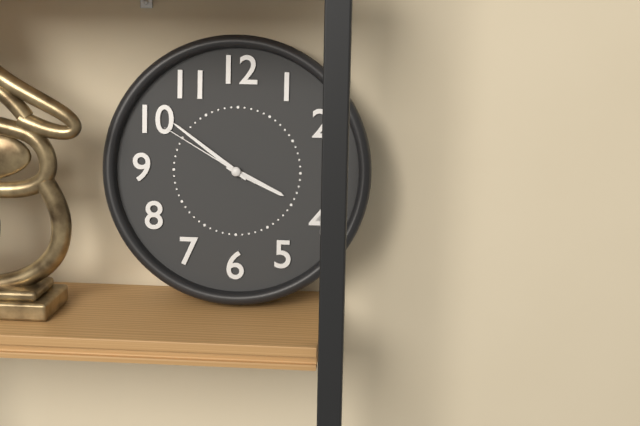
3:51:50
